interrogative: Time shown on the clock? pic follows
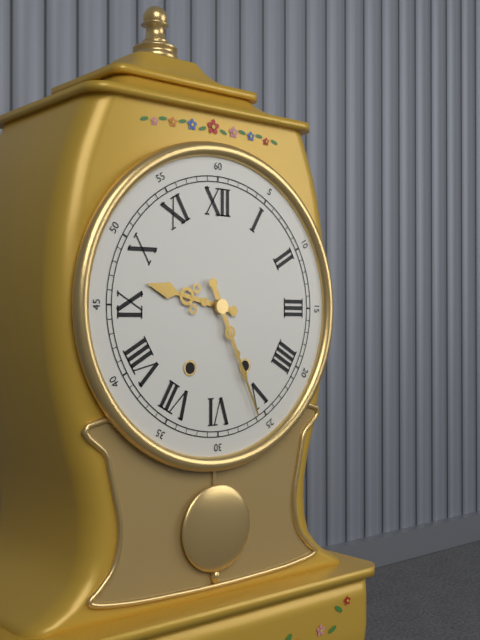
9:26
